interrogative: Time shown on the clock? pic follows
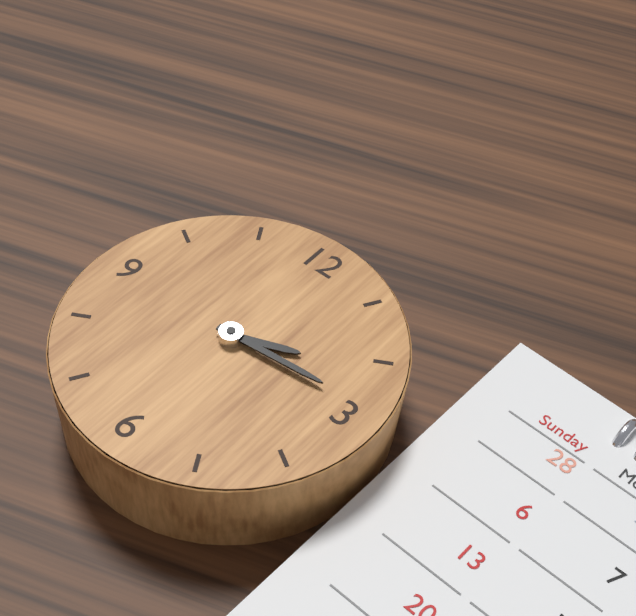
2:14
